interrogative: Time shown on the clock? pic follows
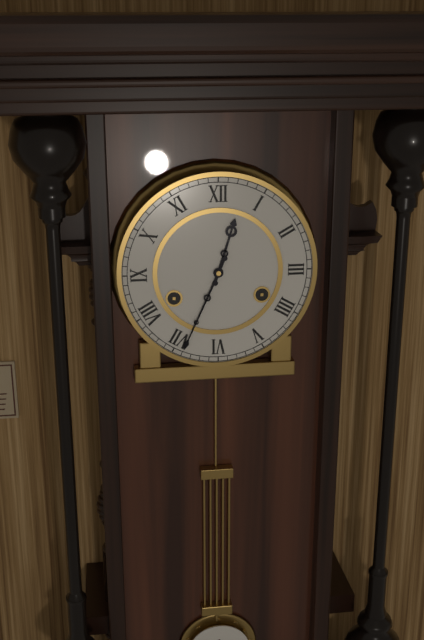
12:34
